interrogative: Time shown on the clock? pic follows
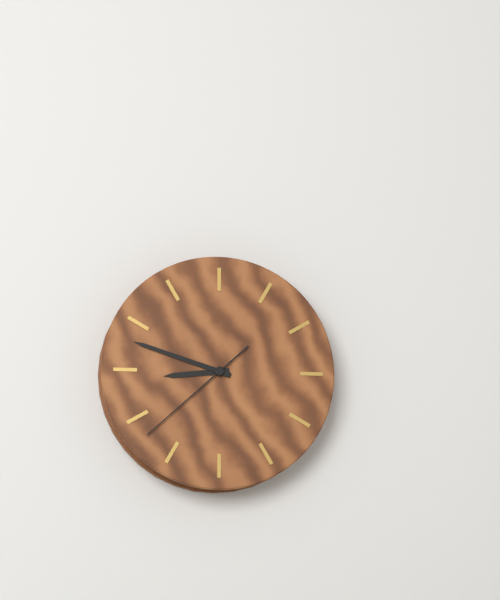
8:48:38
